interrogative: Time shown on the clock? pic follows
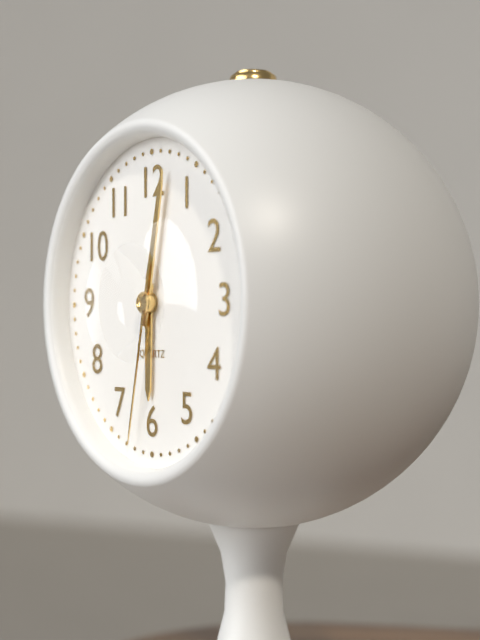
6:02:32
